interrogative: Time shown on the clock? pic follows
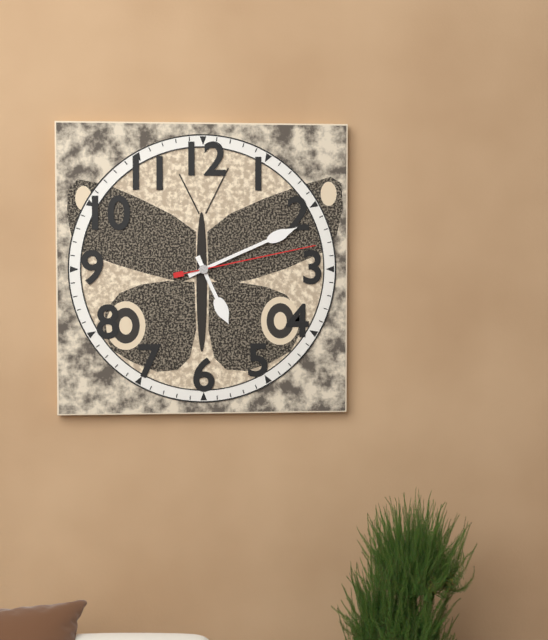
5:11:13
